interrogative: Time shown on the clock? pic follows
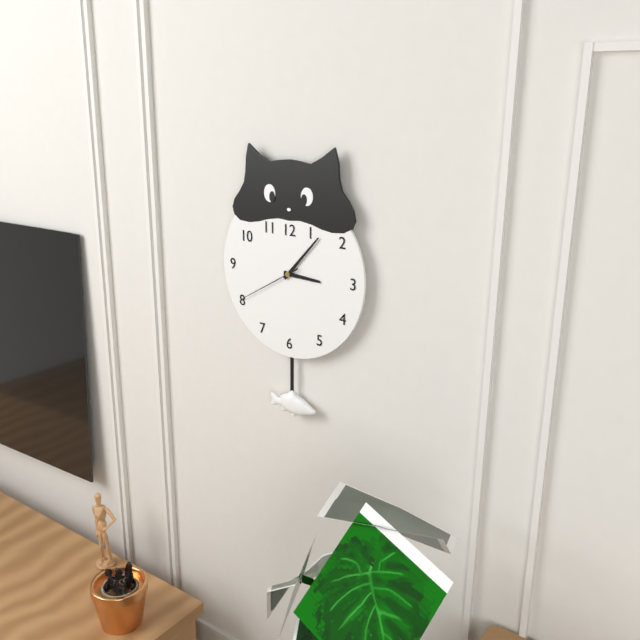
3:07:40
